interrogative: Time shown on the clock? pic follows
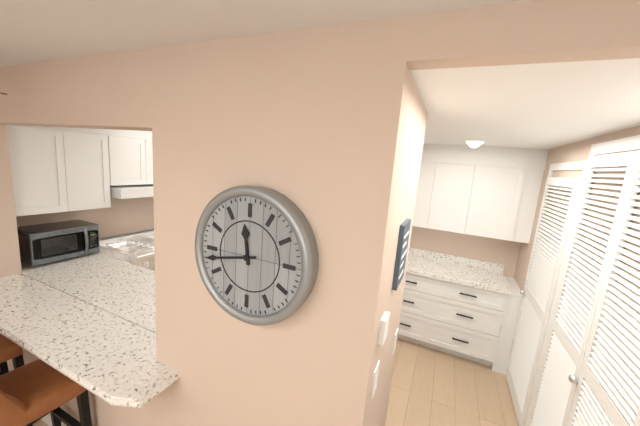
11:43
